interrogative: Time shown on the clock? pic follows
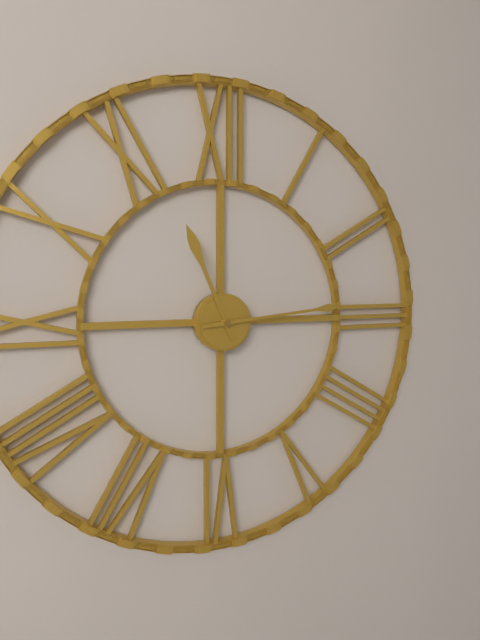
11:14
